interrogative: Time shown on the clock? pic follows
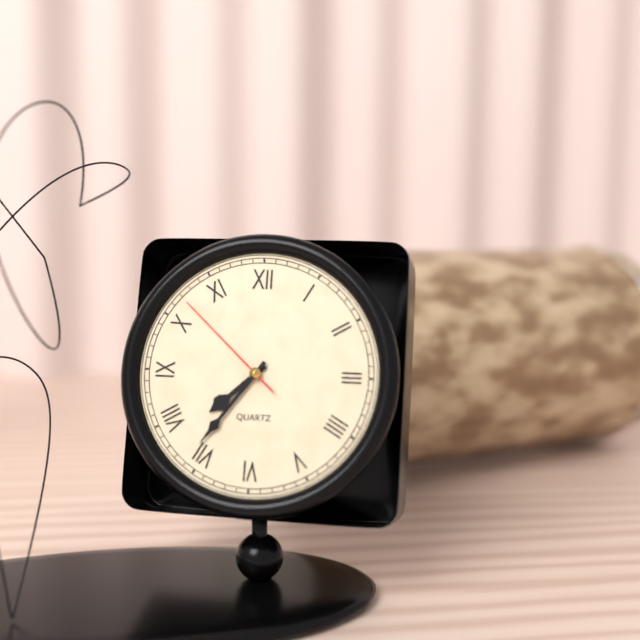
7:36:52
